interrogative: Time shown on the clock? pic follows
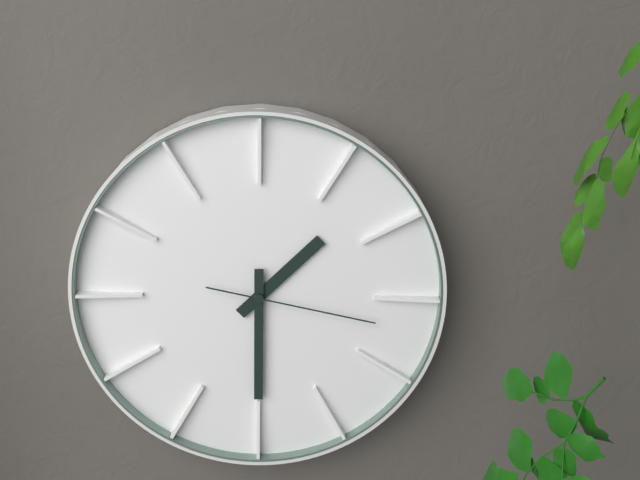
1:30:17
